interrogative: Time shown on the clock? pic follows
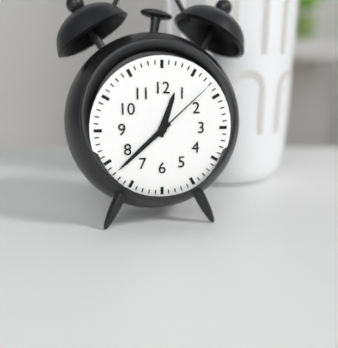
12:38:08
